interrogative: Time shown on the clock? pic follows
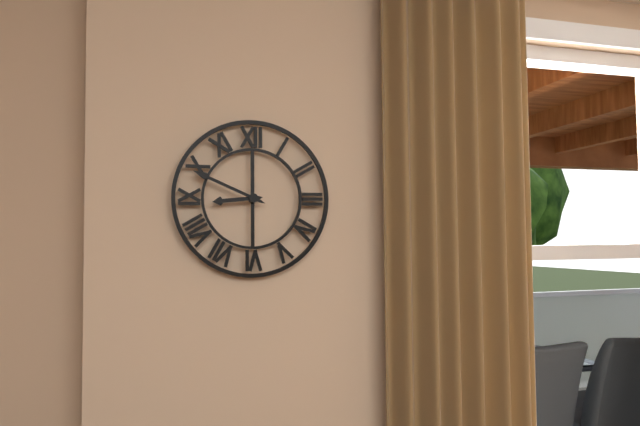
8:49
